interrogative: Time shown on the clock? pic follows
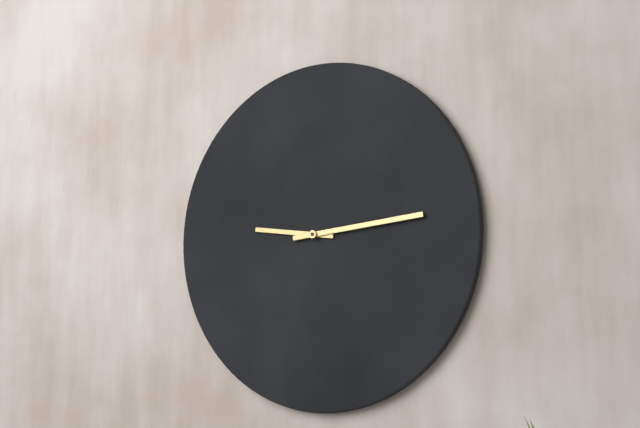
9:14
